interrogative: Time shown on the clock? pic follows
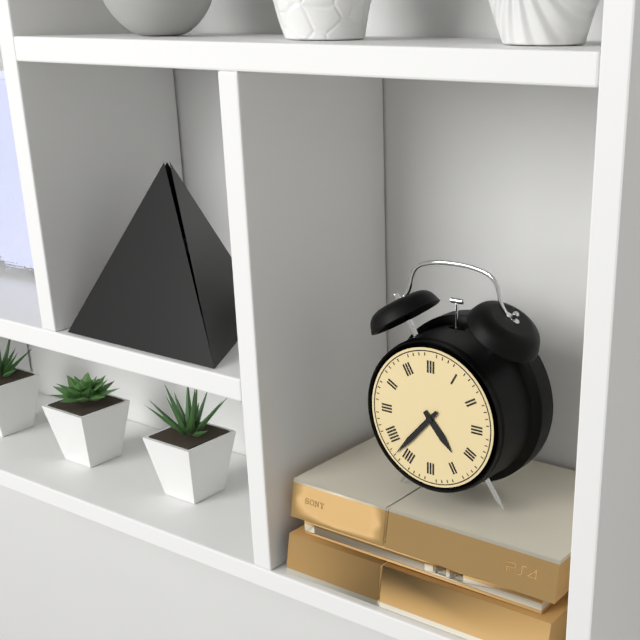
4:37
